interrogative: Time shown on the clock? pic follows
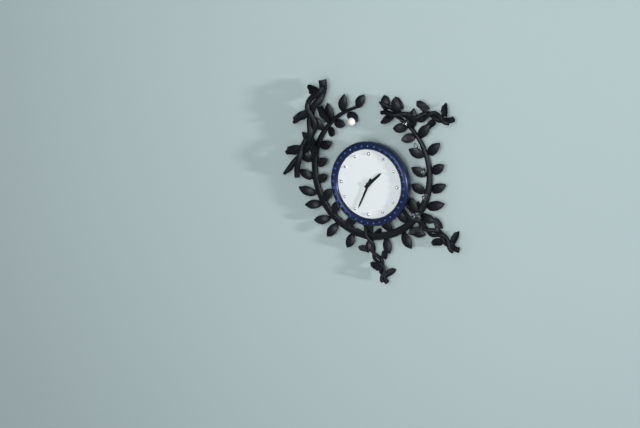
1:34
